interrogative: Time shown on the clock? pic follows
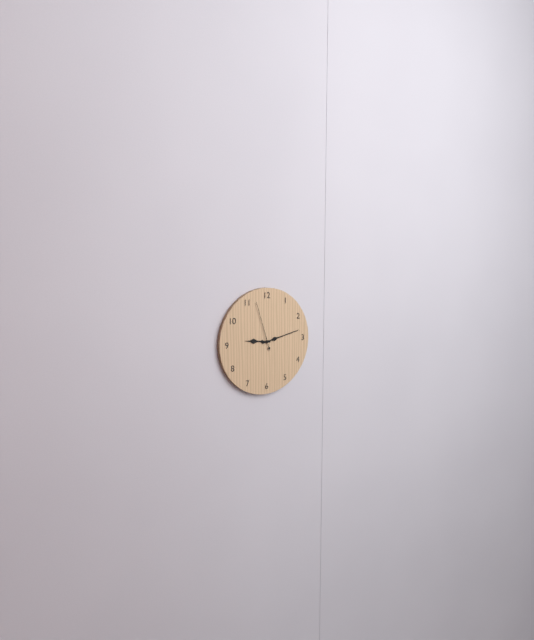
9:13:57
